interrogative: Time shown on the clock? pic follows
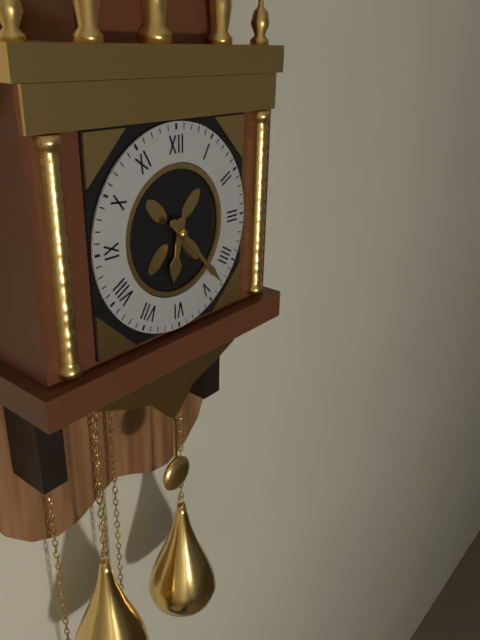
6:23
